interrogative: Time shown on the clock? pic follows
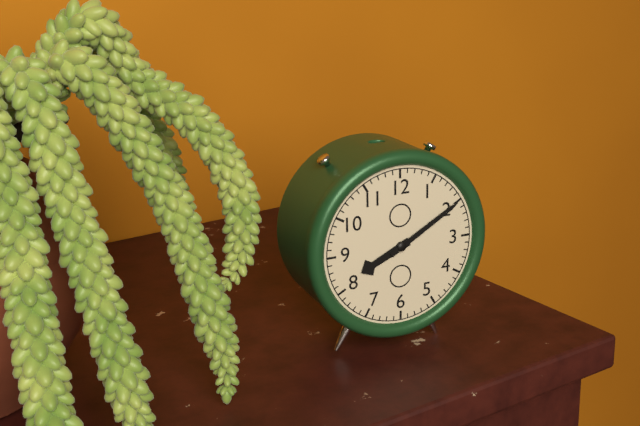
8:10
